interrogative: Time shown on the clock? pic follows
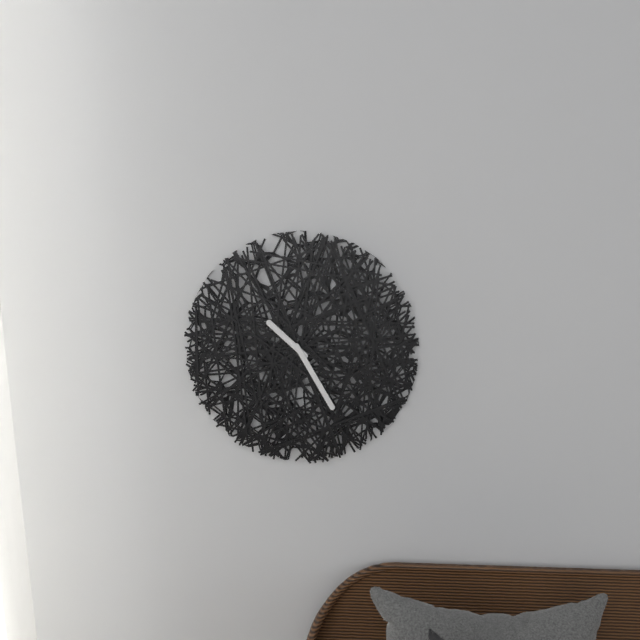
10:25
